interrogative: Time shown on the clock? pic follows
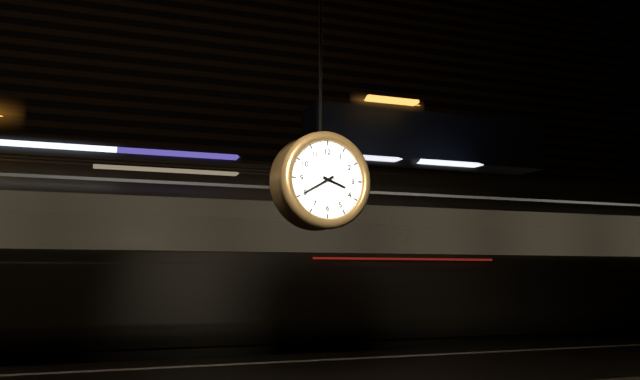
3:40
